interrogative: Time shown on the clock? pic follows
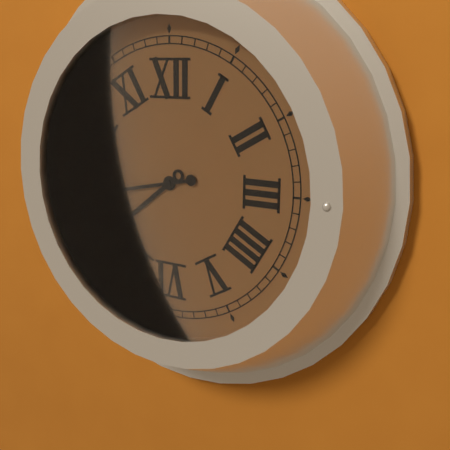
7:43
